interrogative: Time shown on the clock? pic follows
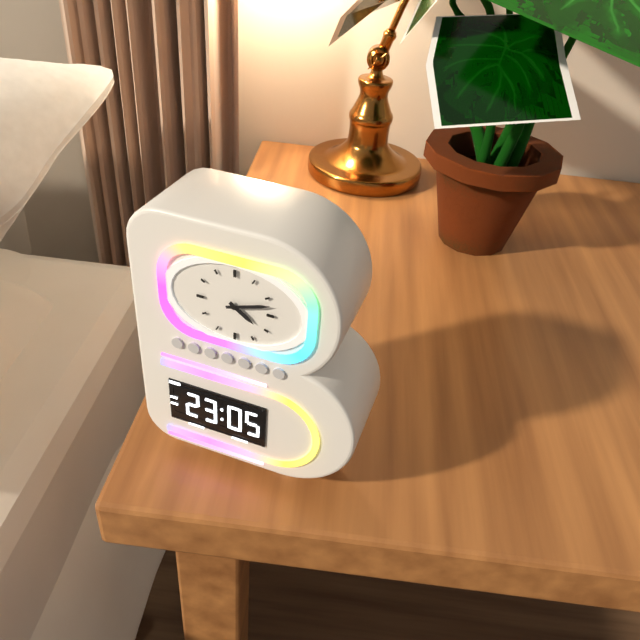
4:12
